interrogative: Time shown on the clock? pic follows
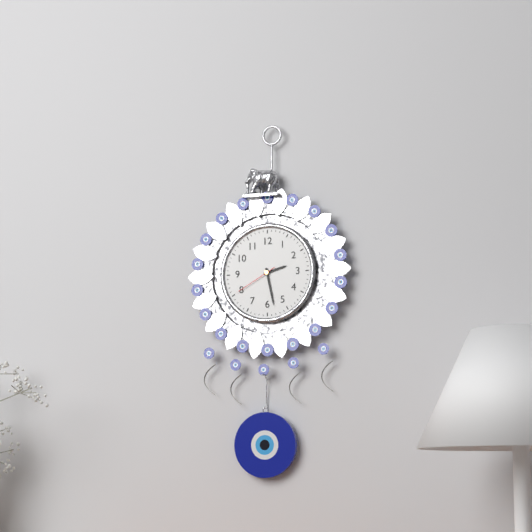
2:28
